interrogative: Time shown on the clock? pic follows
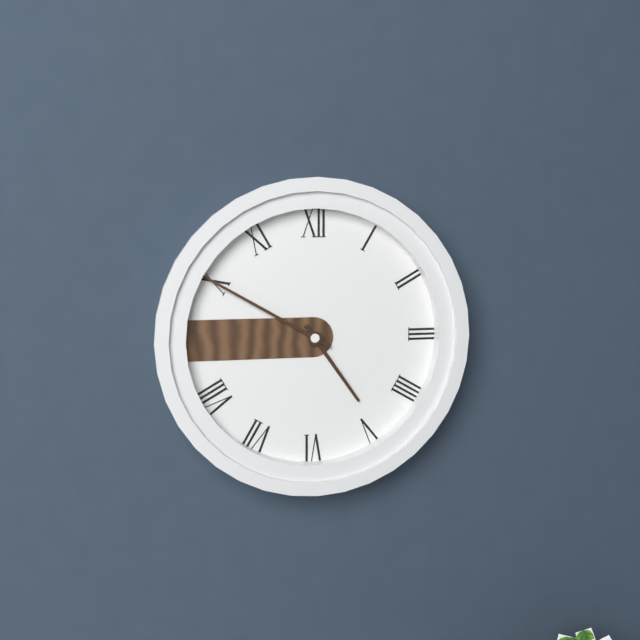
4:50
